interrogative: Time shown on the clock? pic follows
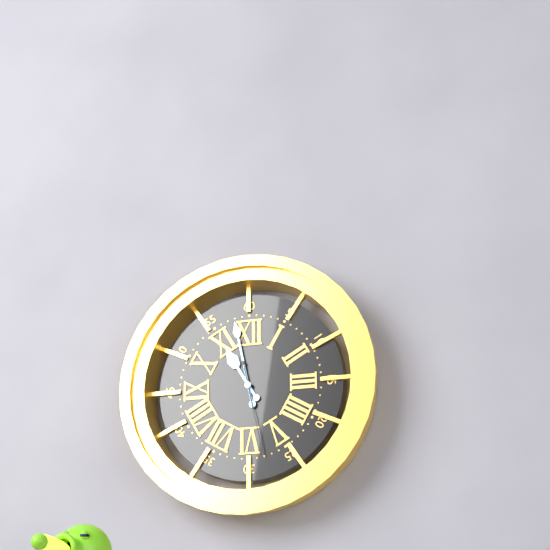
10:58:28
